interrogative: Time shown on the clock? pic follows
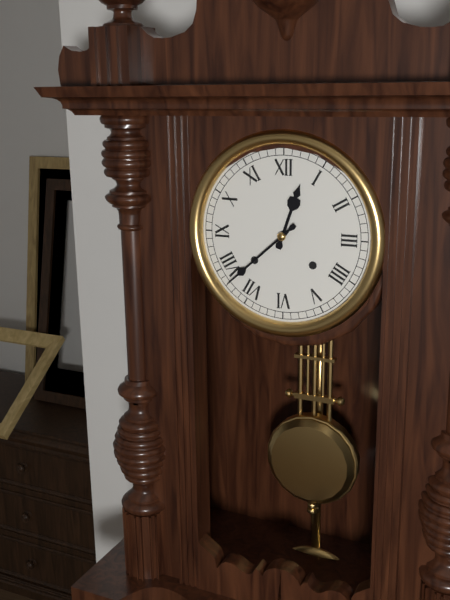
12:38
